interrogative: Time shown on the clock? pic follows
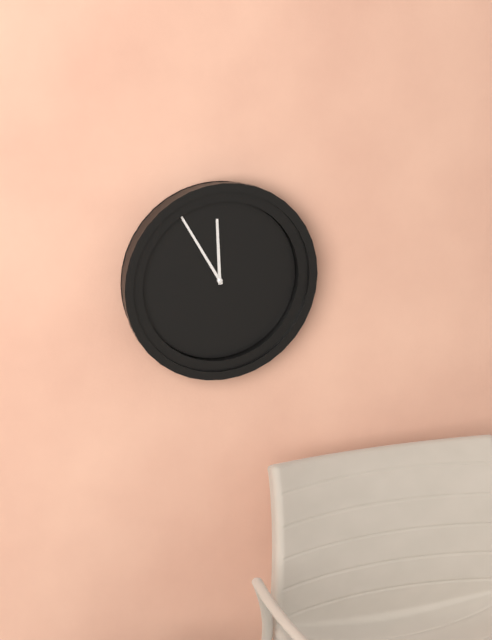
11:55
